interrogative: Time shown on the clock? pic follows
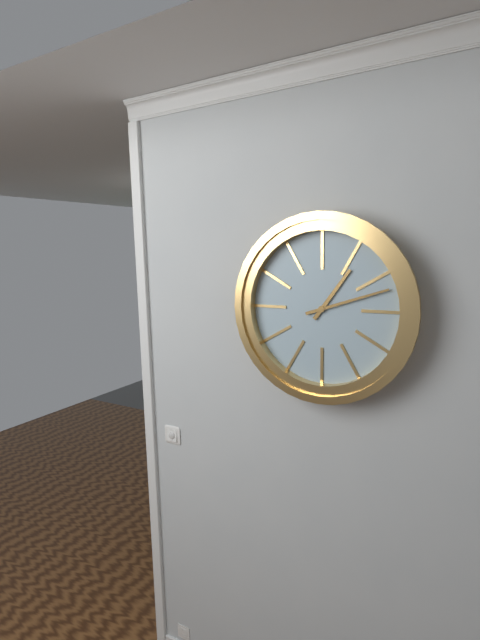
1:12
